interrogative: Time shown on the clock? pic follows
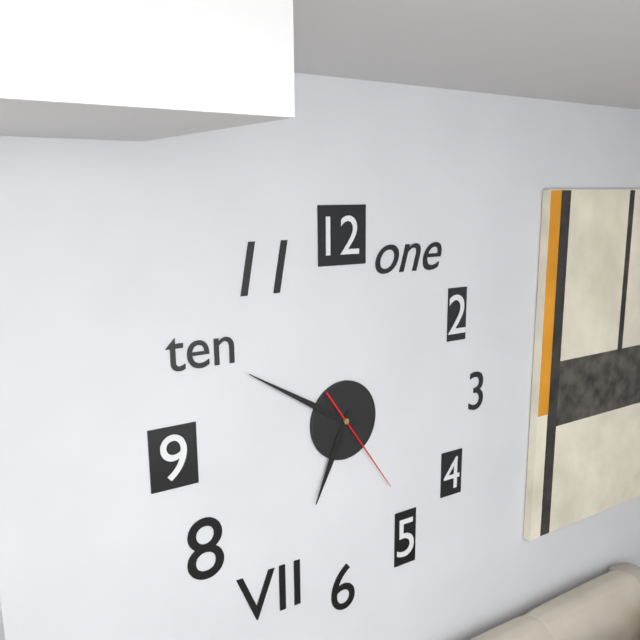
6:50:24
